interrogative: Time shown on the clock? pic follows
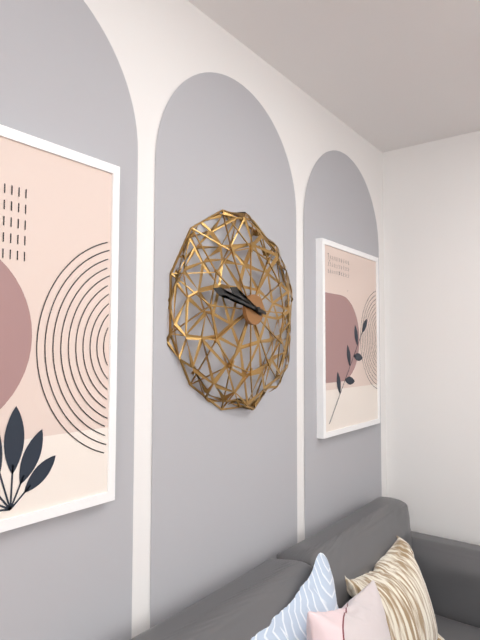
9:47
